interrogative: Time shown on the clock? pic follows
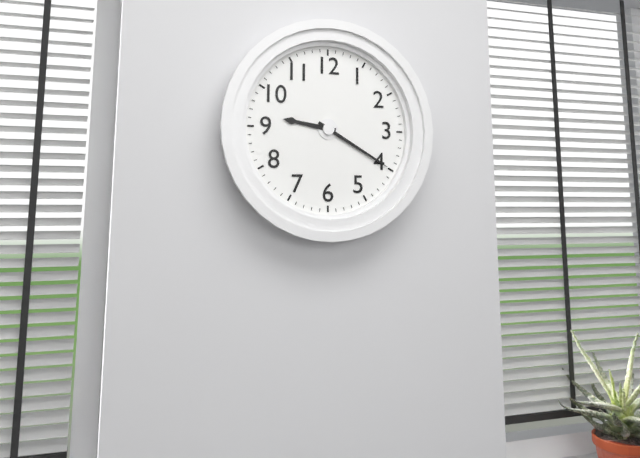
9:20
